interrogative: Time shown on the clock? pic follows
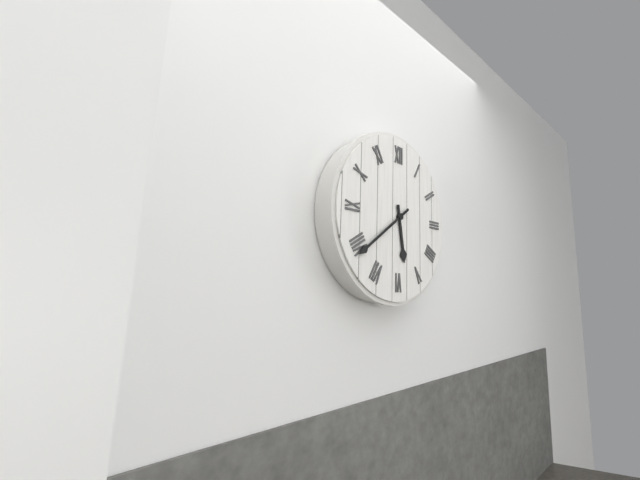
5:39
